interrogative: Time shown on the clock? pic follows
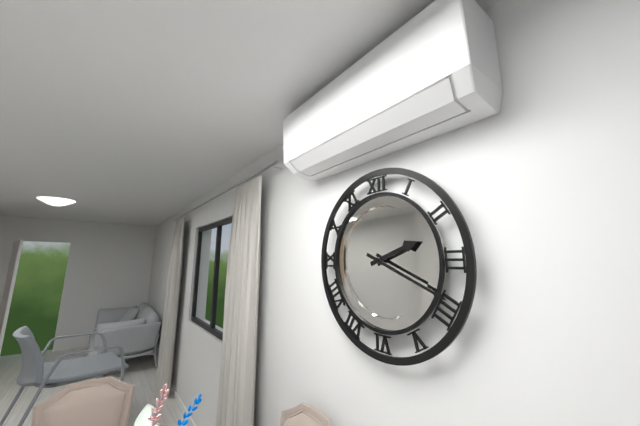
2:19
